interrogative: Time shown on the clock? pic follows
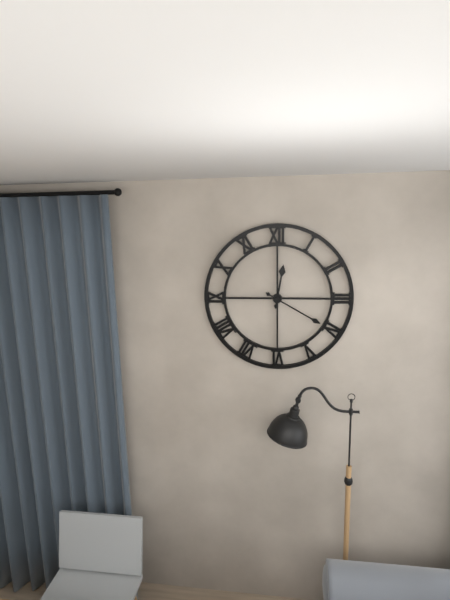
12:20
